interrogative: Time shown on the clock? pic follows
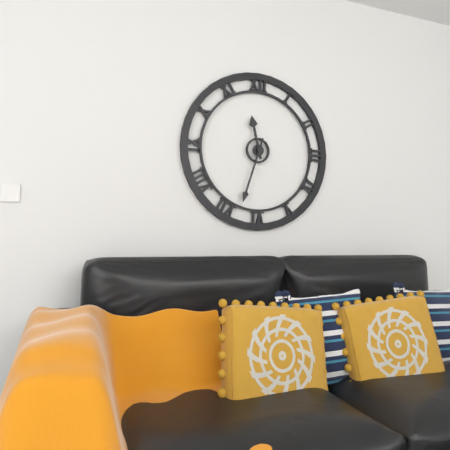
11:33
